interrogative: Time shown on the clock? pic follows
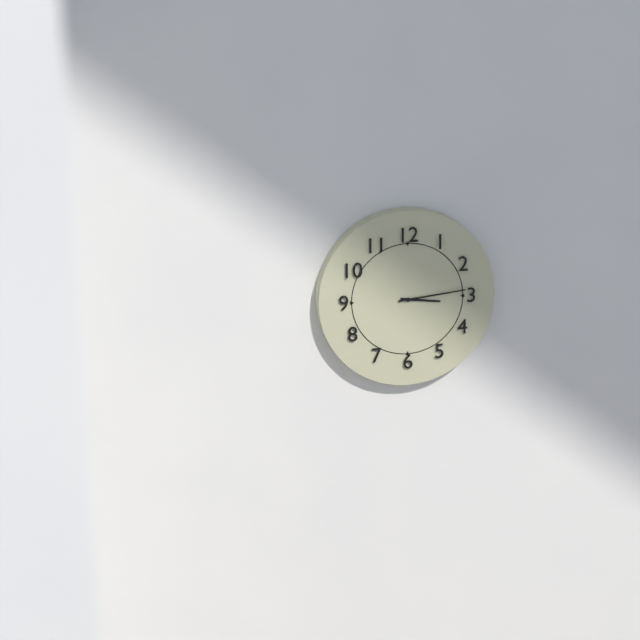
3:14
